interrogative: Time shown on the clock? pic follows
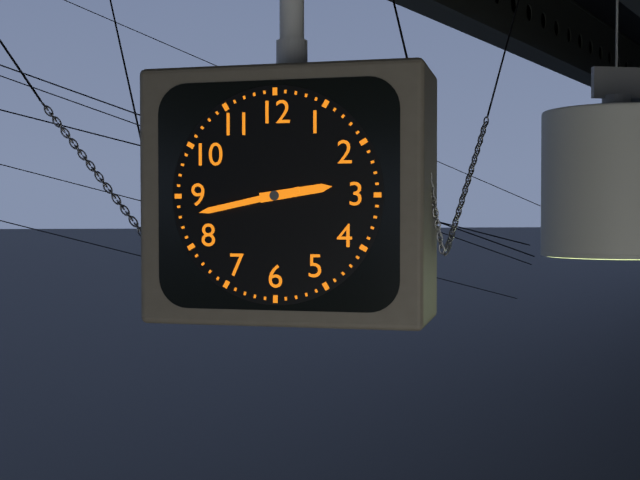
2:43
